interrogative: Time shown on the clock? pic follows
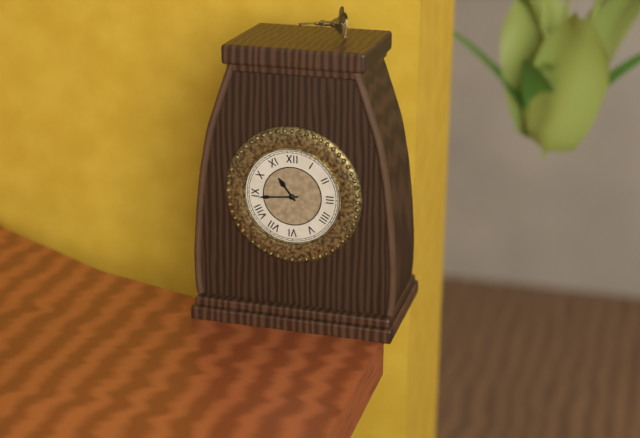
10:44
